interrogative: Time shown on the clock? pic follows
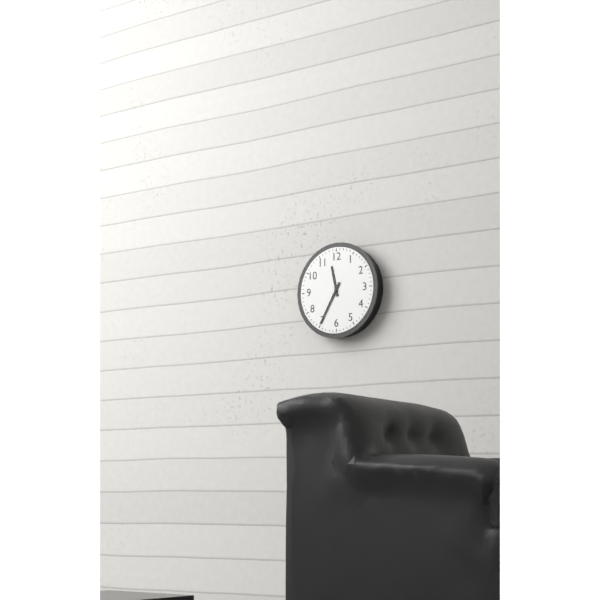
11:35
